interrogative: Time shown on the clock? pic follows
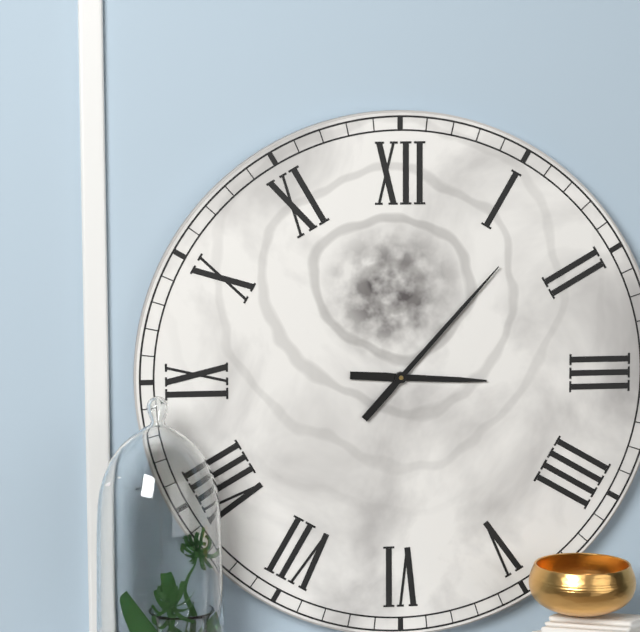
3:07
